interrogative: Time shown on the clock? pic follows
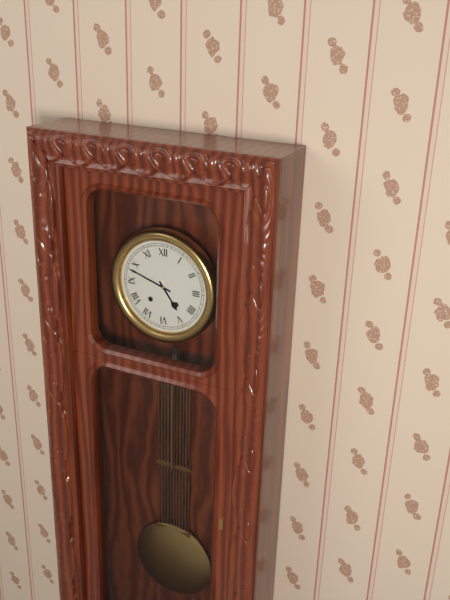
4:48
